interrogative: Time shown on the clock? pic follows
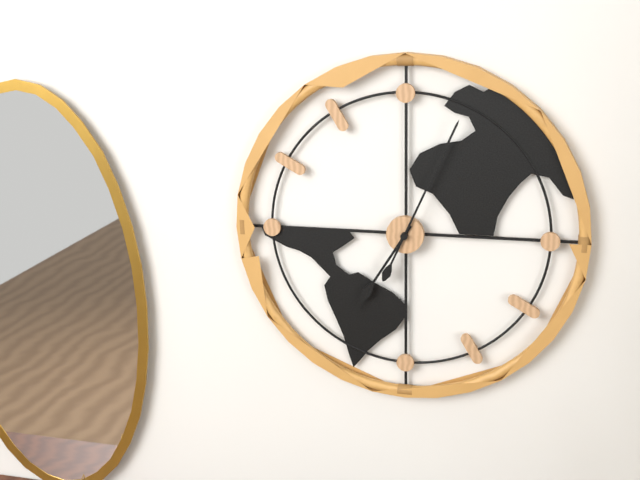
7:04
